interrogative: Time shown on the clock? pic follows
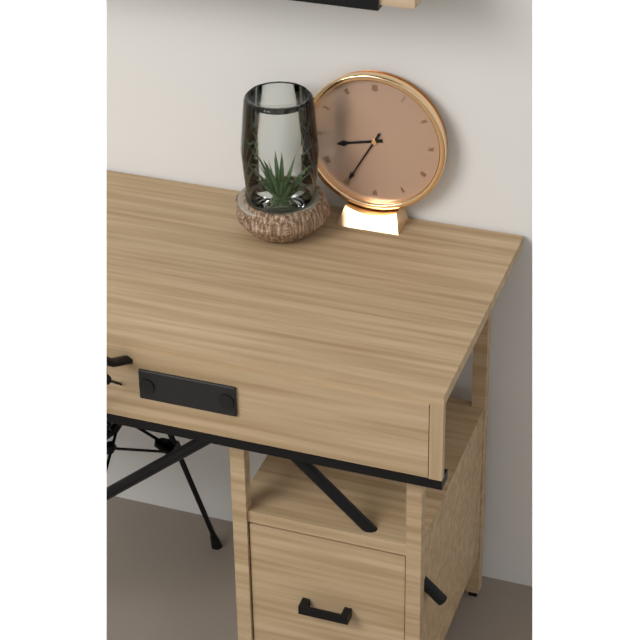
8:35
